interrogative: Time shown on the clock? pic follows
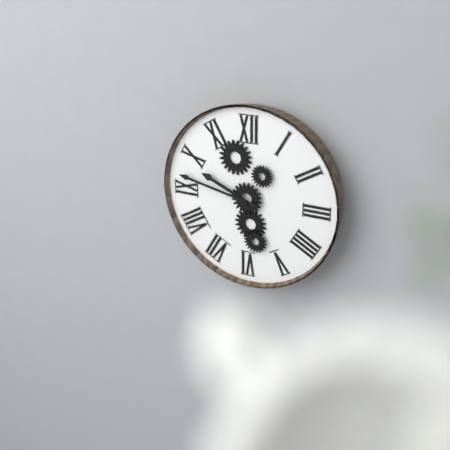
9:47
